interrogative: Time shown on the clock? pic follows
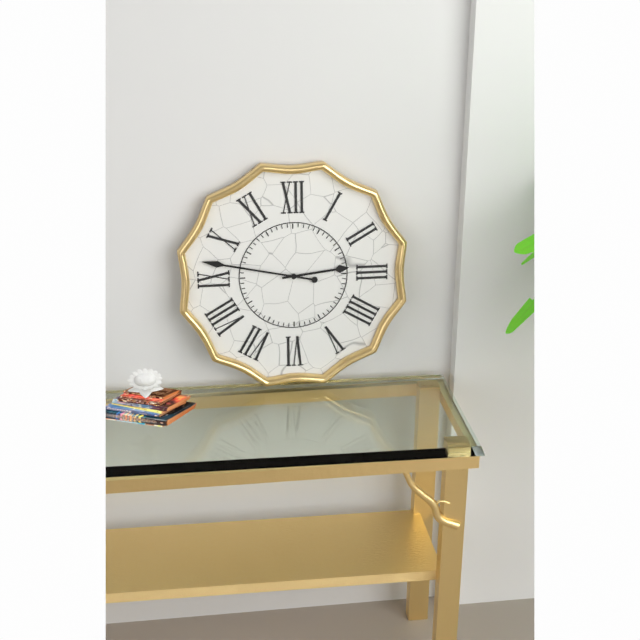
2:47
